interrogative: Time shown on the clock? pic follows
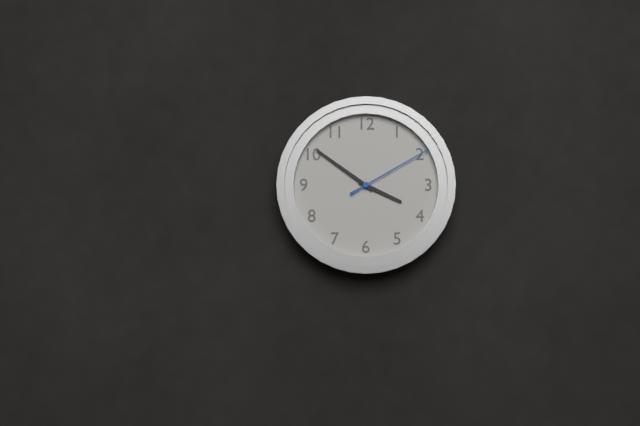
3:51:10
